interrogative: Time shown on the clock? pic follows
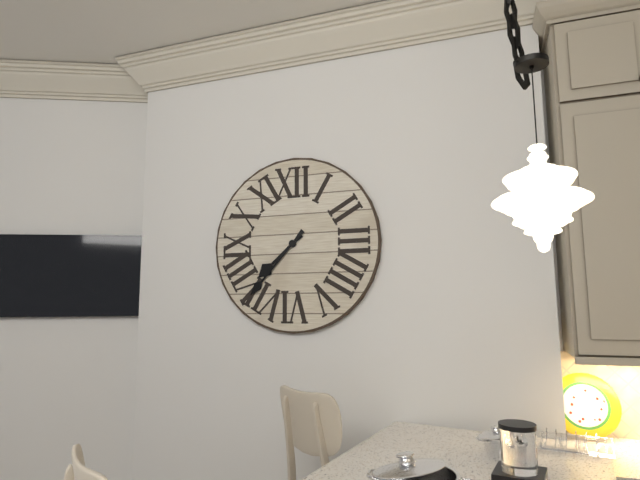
7:37
